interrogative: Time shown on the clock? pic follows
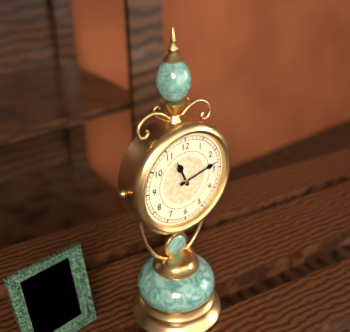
11:13
